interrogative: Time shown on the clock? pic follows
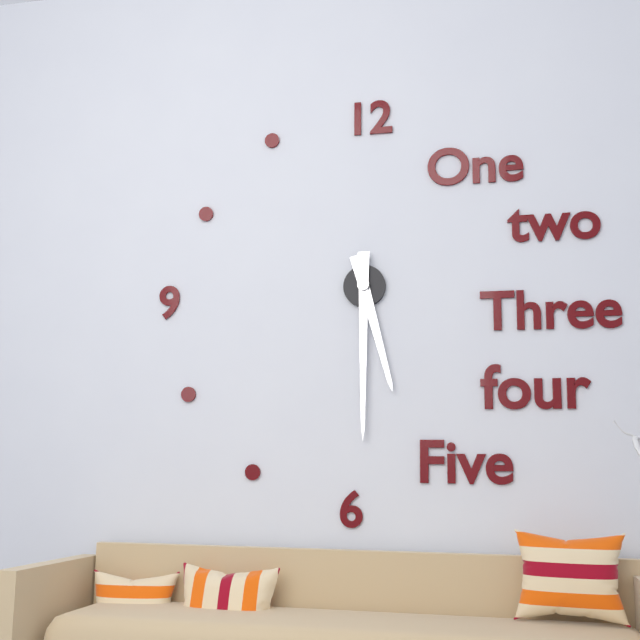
5:30
